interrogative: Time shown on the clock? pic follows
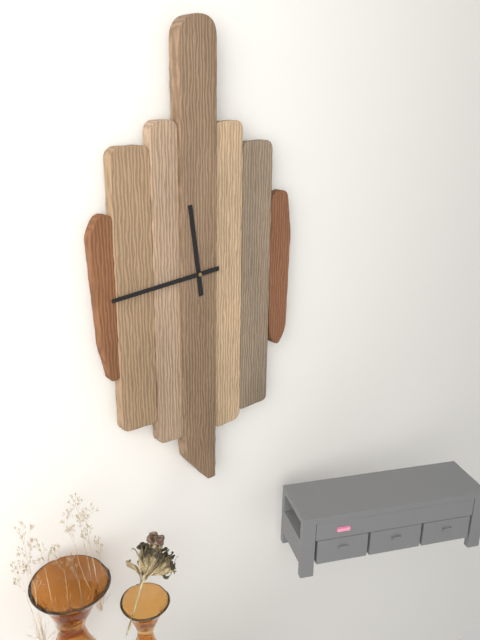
11:44
